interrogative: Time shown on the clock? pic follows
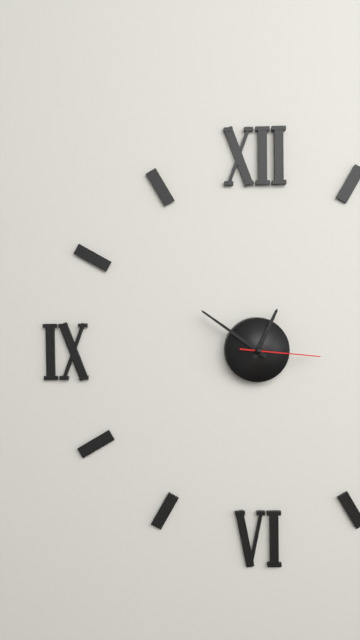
12:51:16
